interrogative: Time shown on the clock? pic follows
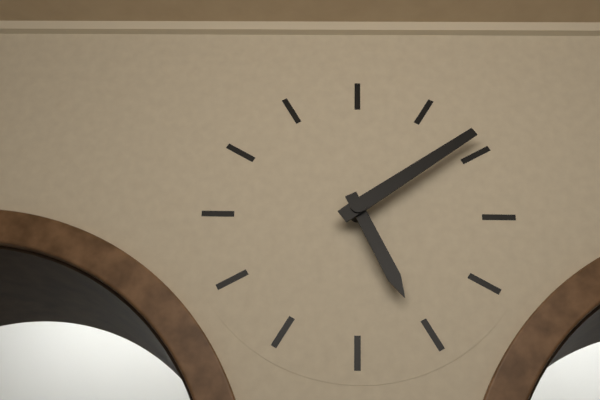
5:09
